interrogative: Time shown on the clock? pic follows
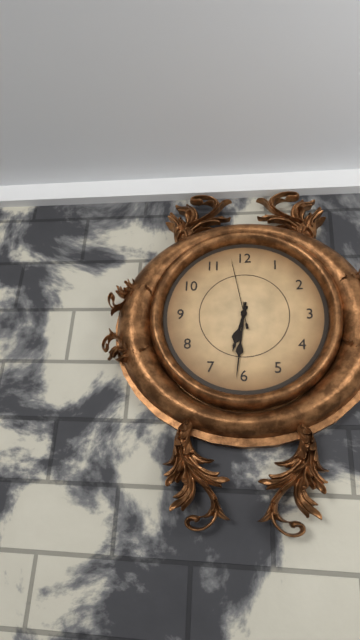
6:31:58
